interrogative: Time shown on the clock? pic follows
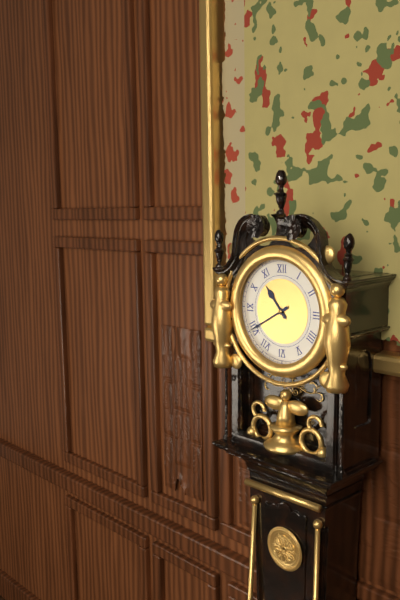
10:40
